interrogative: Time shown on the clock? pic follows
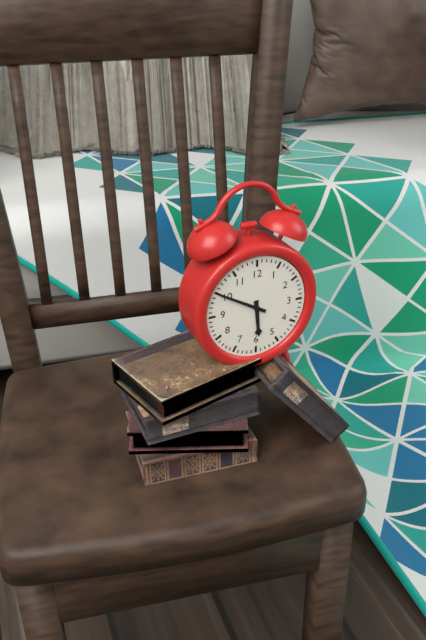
5:50
